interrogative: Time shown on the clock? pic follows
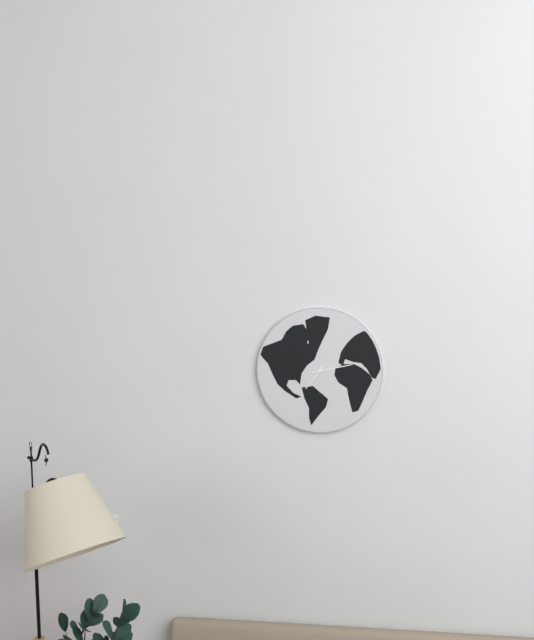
7:13
